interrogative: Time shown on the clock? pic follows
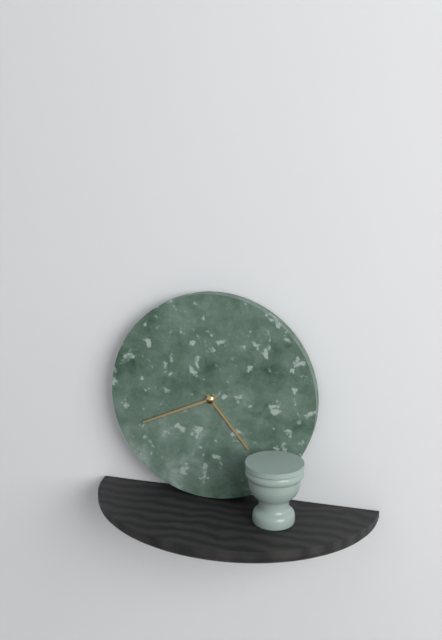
4:41
